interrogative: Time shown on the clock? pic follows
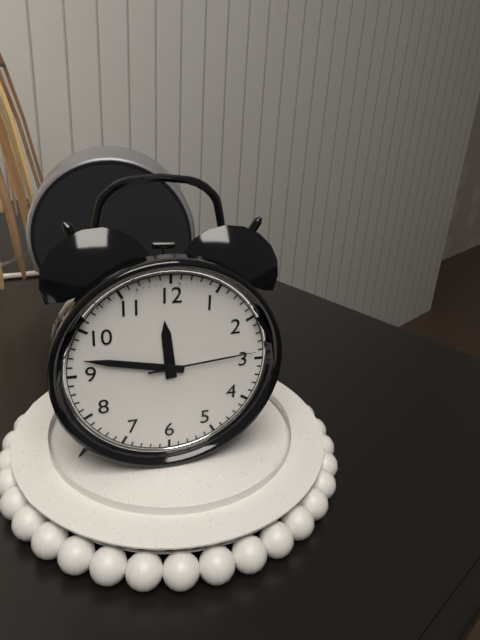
11:47:14
